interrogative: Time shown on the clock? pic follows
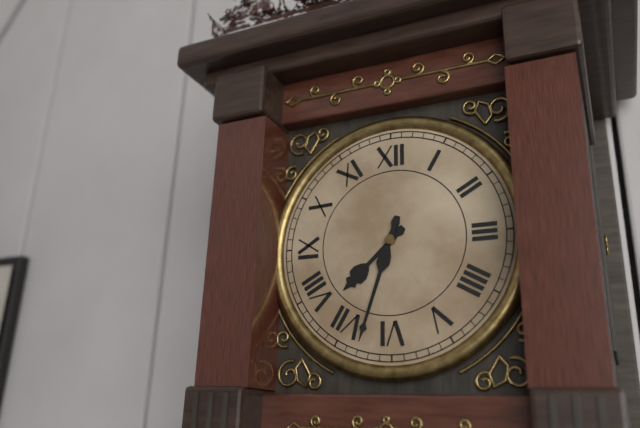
7:33
